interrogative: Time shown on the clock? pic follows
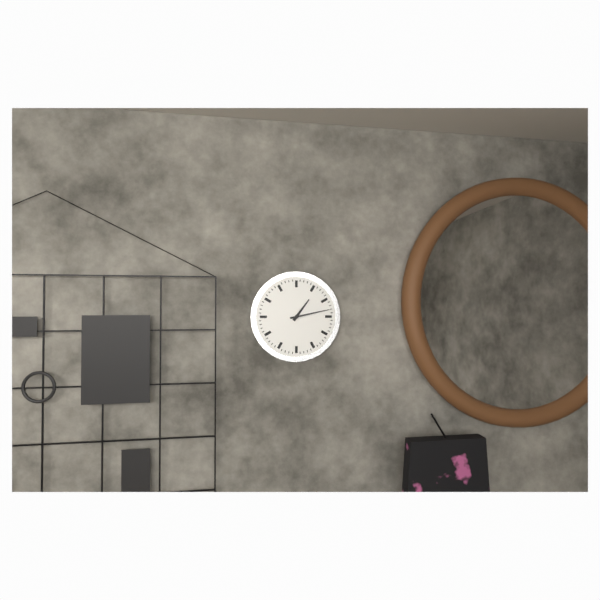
1:13
